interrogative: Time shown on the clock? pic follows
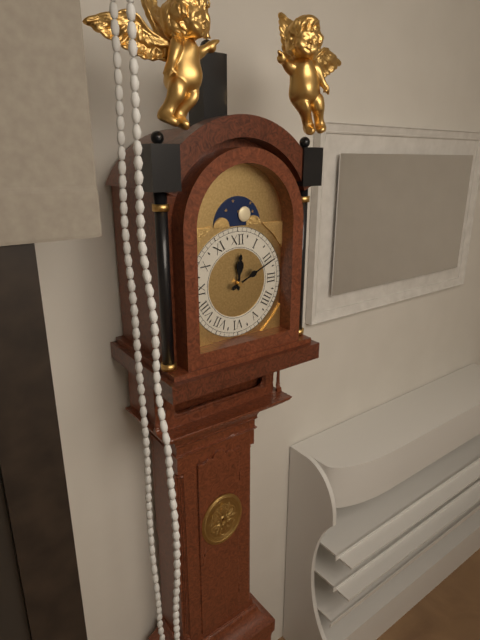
12:11
